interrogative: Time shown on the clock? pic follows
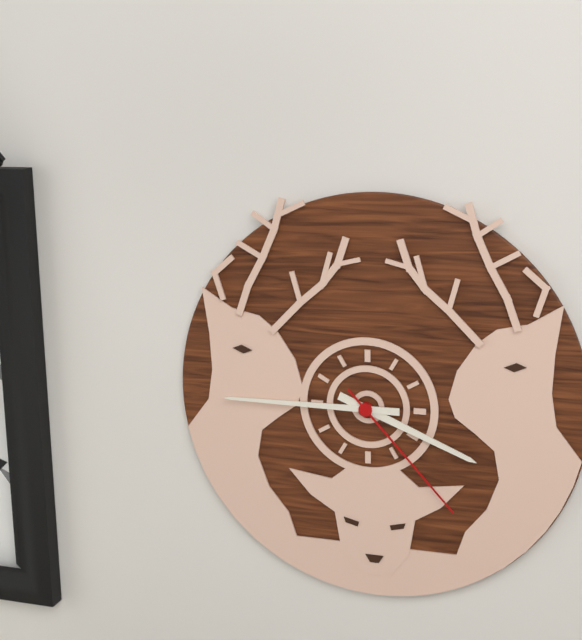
3:45:23
